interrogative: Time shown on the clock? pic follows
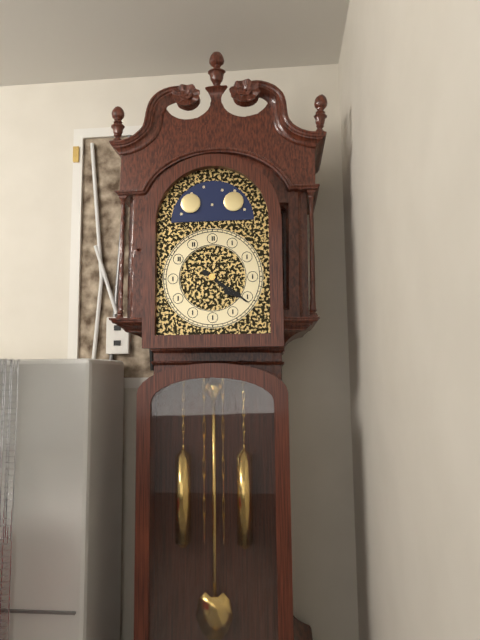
4:21
